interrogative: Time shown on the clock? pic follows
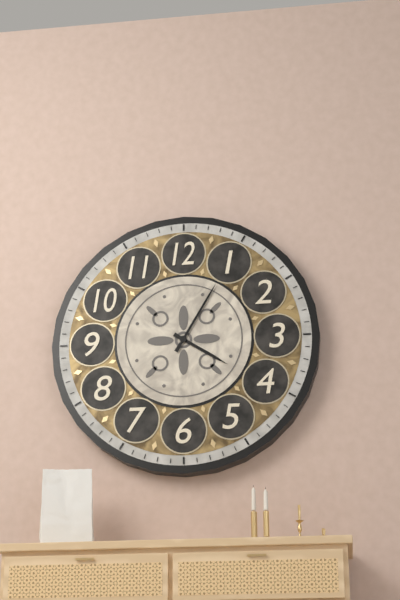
4:05
